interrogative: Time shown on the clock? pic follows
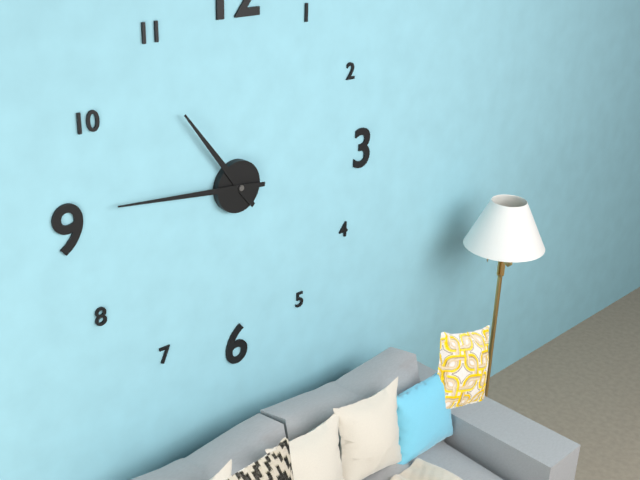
10:46
